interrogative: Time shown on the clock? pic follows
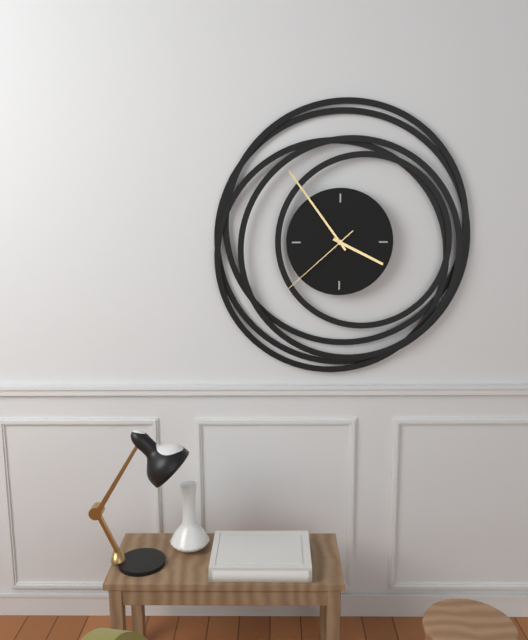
3:54:38
